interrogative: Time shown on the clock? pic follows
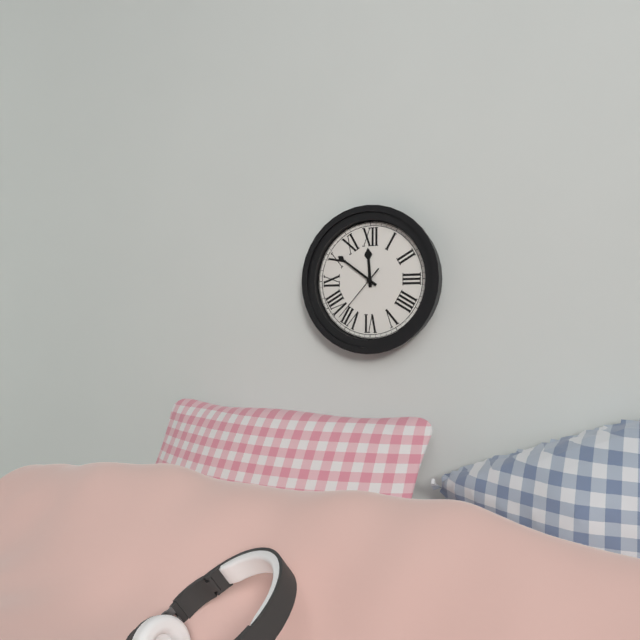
11:51:37
